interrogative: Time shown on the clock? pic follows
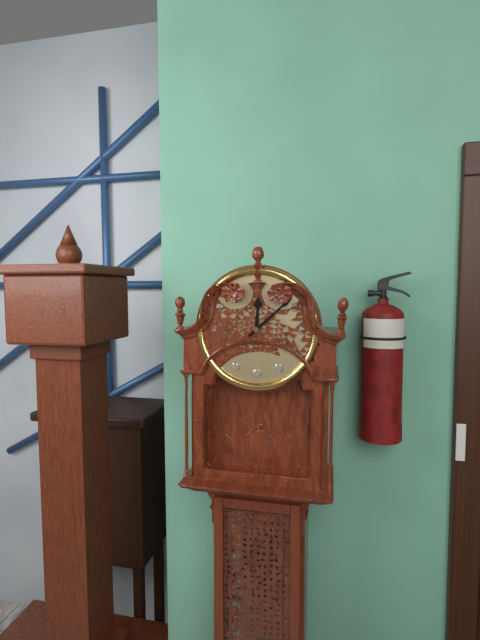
12:08
